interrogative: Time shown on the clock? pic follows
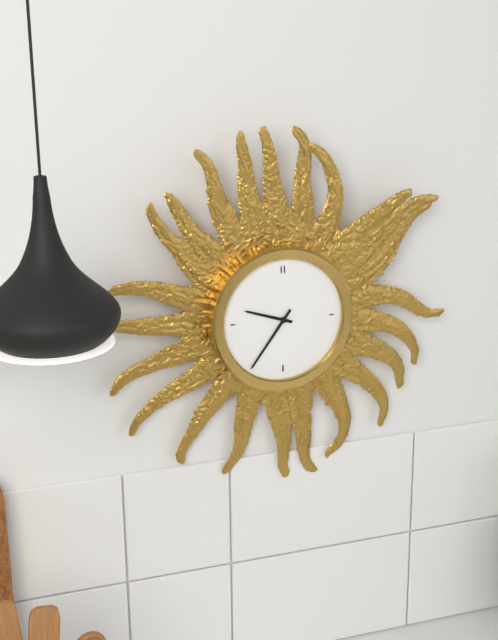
9:36
